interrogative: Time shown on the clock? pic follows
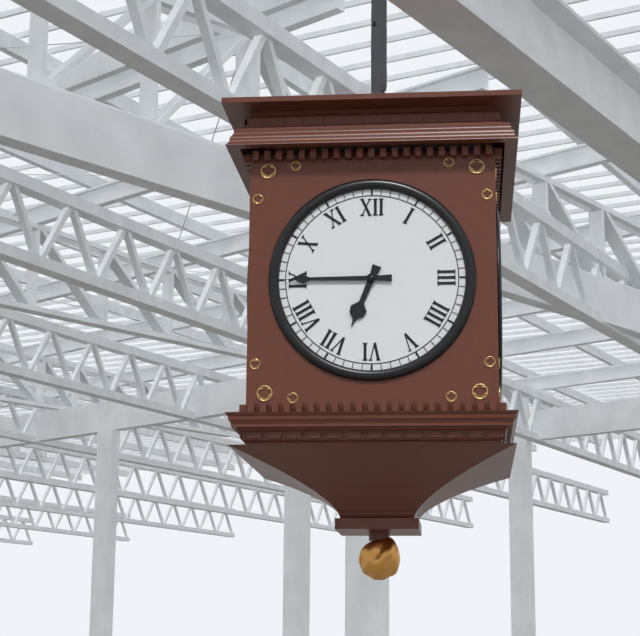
6:45
